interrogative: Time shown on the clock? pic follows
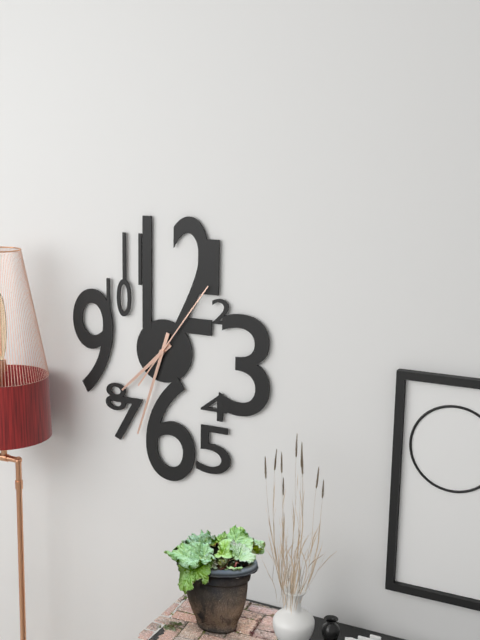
7:33:06
